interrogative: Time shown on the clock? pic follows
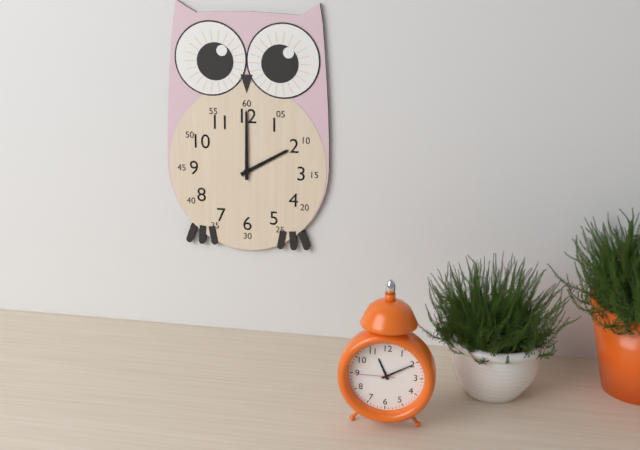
2:00
